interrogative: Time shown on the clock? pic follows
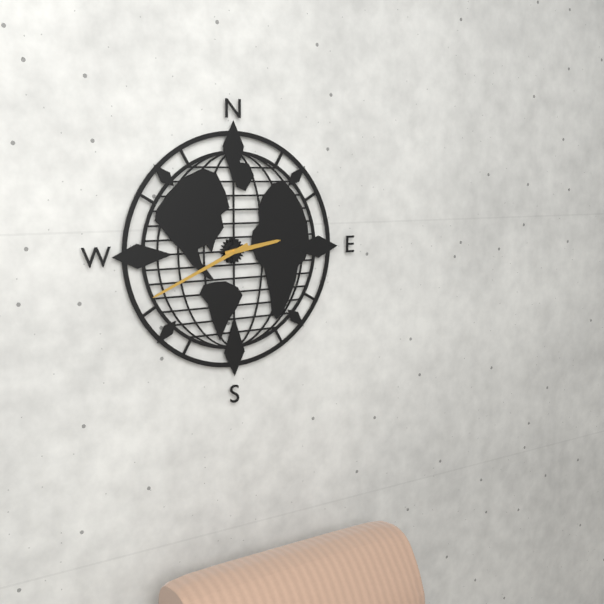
2:41
